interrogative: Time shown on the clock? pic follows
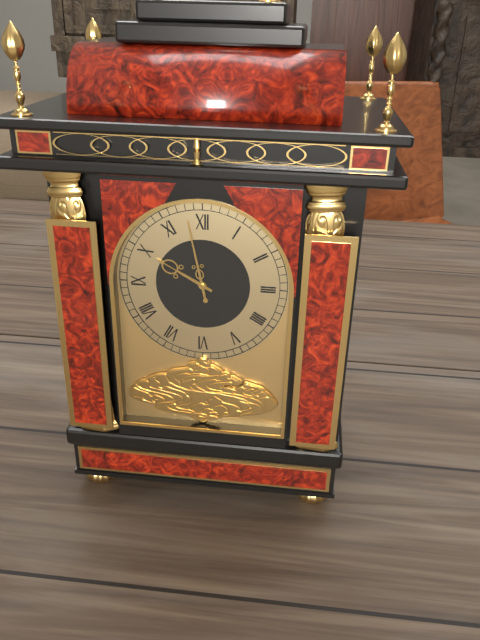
9:58
